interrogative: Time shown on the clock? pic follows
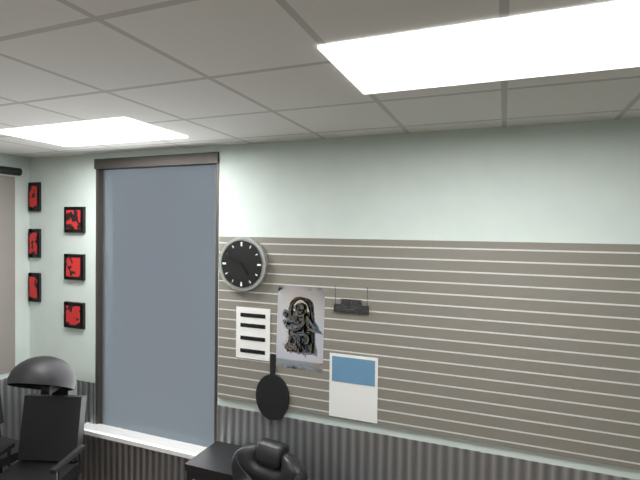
4:49
